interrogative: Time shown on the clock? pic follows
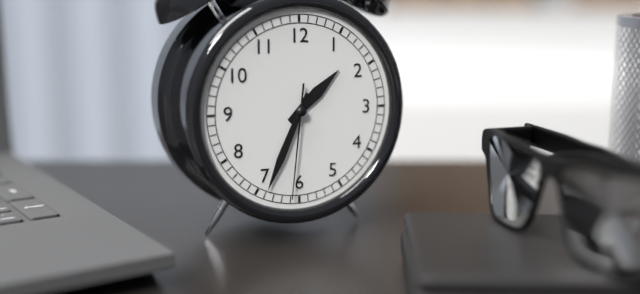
1:34:31
